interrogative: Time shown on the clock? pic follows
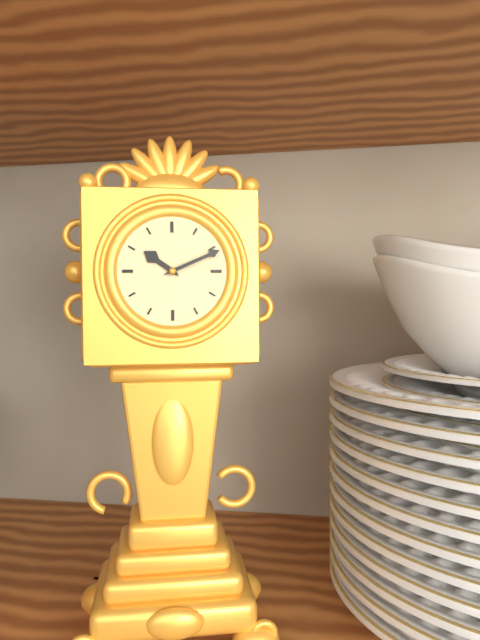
10:11
